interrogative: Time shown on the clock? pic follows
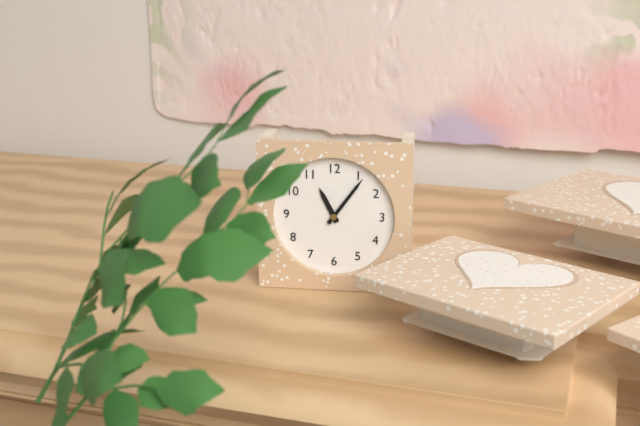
11:06
